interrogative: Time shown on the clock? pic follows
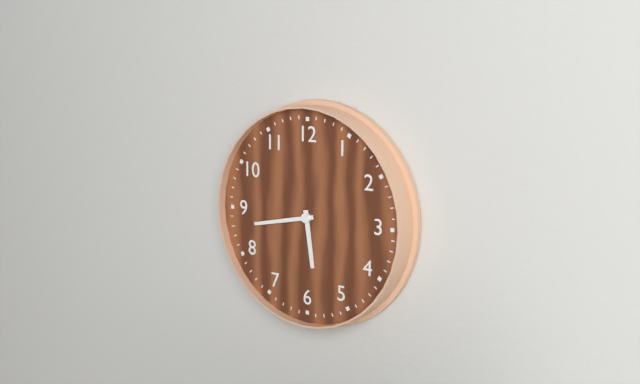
5:43
